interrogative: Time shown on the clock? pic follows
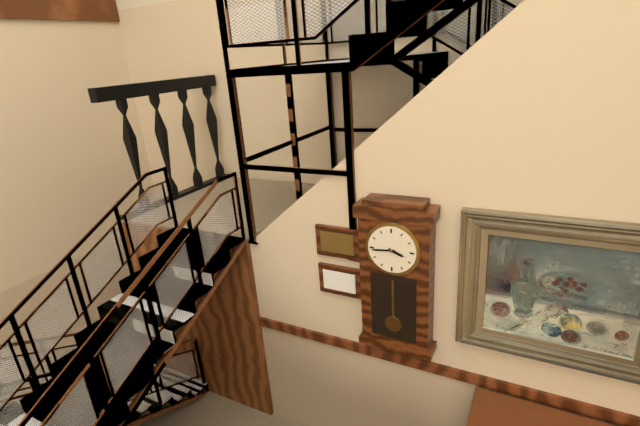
3:44
